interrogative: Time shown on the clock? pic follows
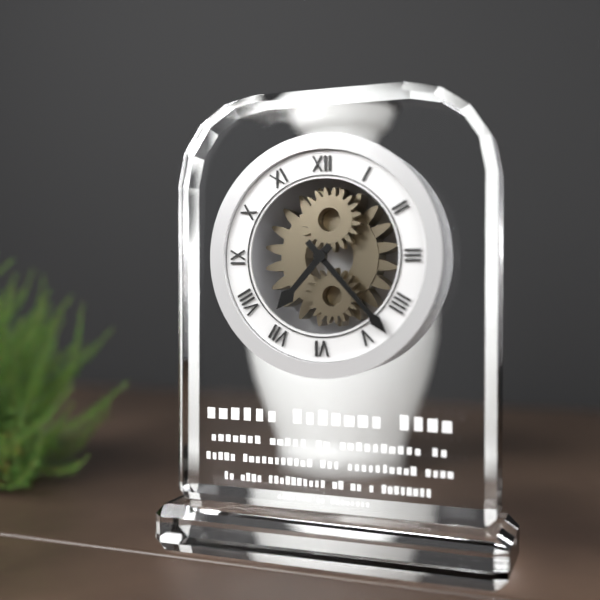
7:23
